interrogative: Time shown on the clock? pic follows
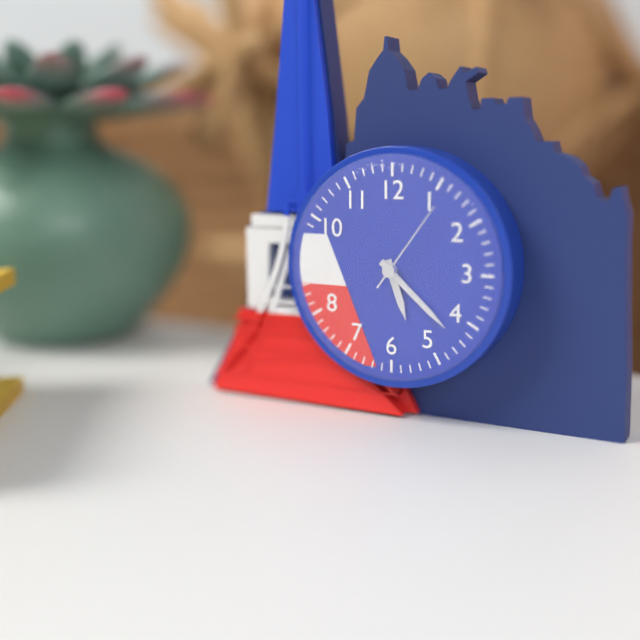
5:22:06
